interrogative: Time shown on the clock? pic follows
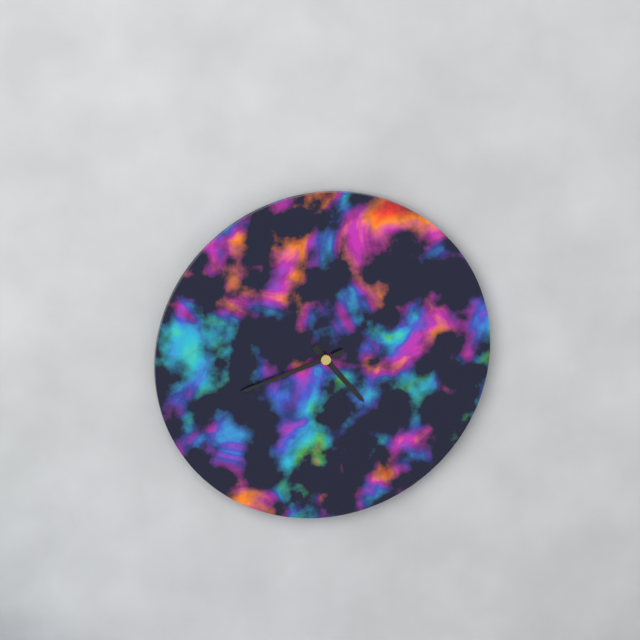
4:42
